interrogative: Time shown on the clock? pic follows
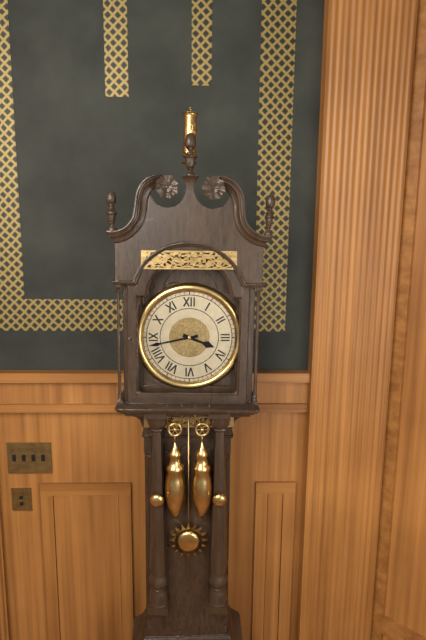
3:43
